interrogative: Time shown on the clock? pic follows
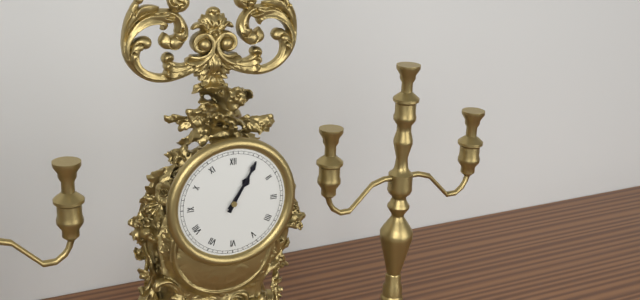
1:05
